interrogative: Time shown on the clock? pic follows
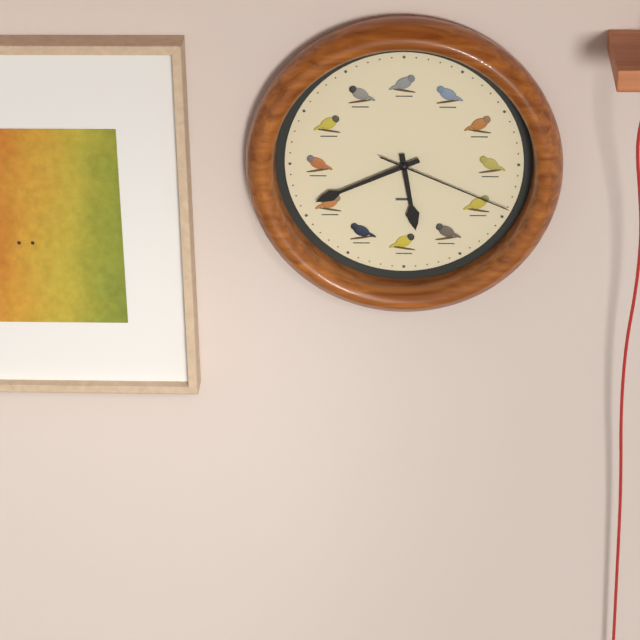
5:41:19
